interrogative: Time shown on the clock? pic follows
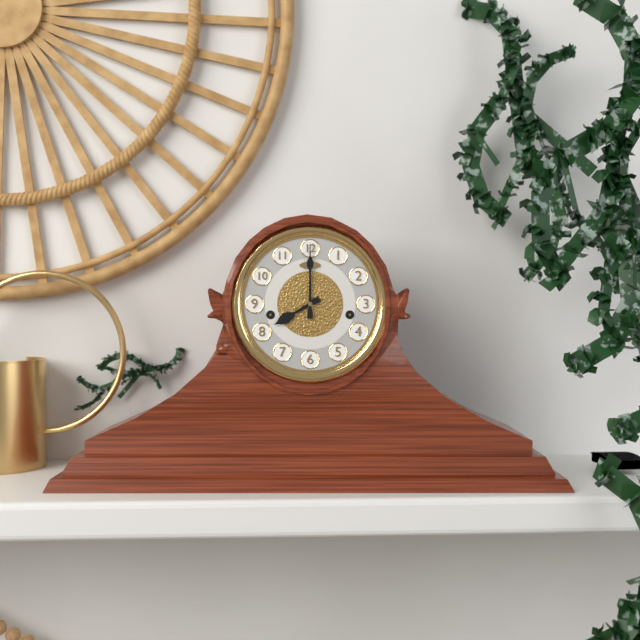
8:00
